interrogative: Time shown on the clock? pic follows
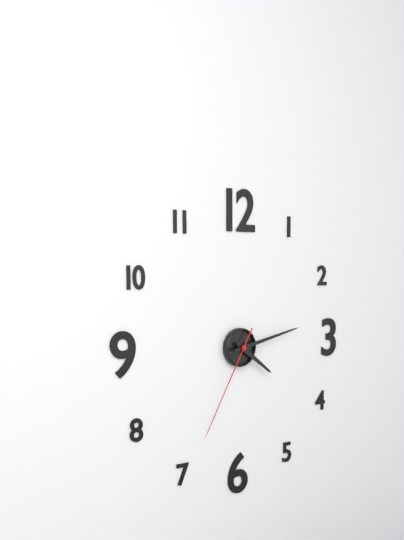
4:13:35
